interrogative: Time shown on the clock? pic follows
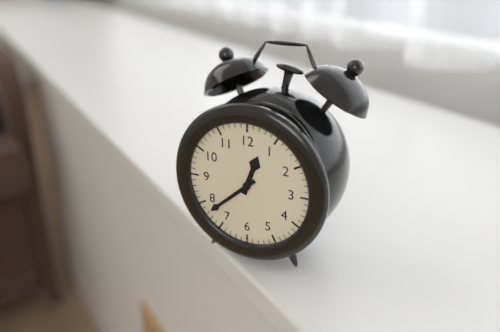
12:38
